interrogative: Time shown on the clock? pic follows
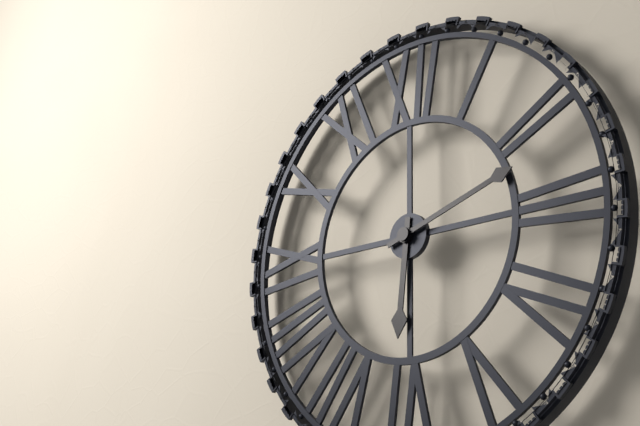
6:12
